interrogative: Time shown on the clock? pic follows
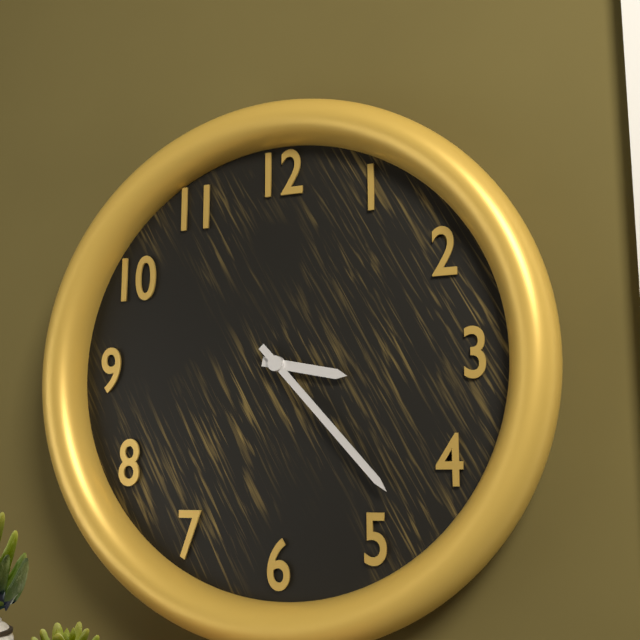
3:23
